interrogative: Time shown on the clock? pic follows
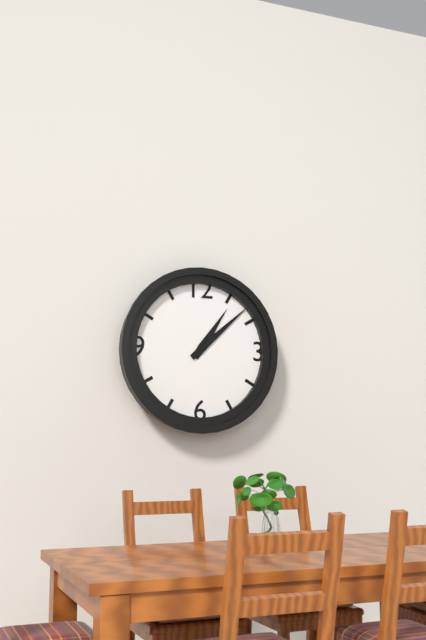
1:08
